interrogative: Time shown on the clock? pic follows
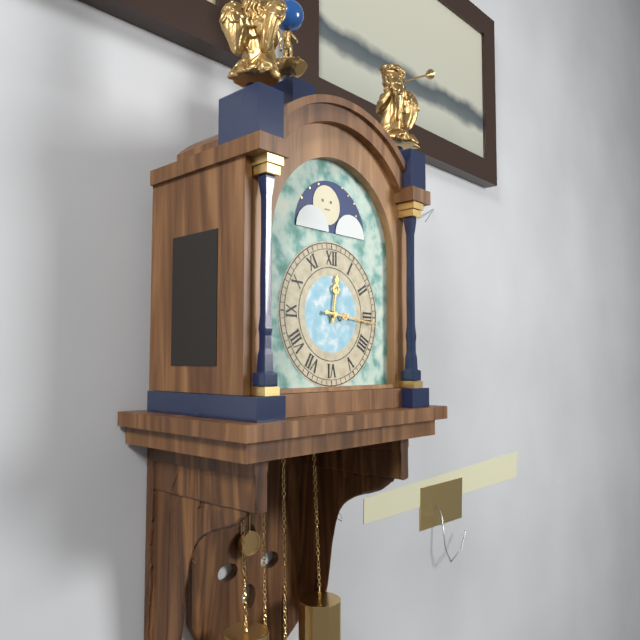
12:16
